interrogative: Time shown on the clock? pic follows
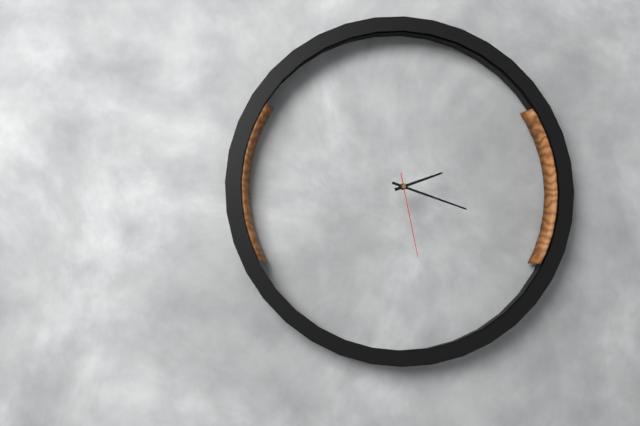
2:18:28
